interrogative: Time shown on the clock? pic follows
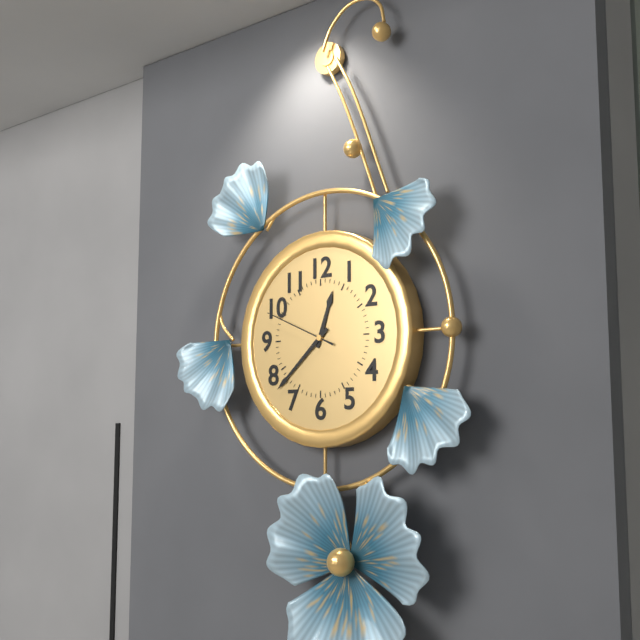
12:38:49
